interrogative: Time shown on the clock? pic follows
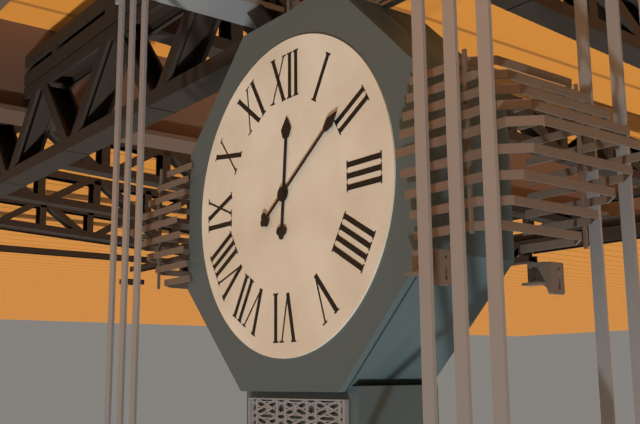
12:09
